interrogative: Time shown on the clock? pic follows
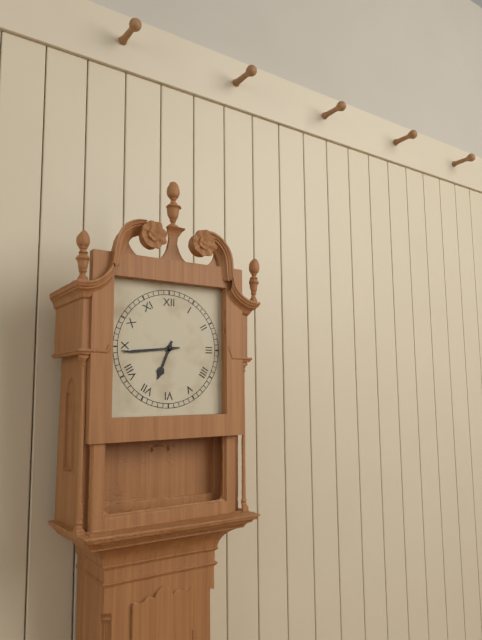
6:44
